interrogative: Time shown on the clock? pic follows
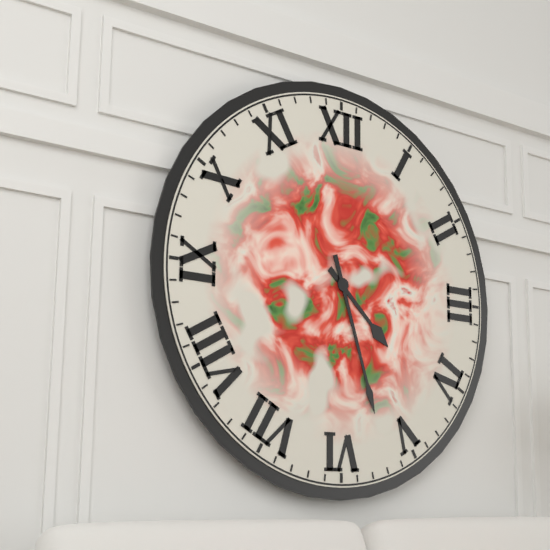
4:27
